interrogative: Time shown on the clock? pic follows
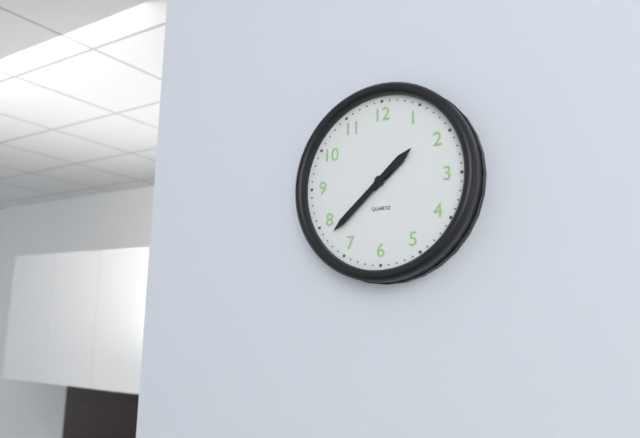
1:38
